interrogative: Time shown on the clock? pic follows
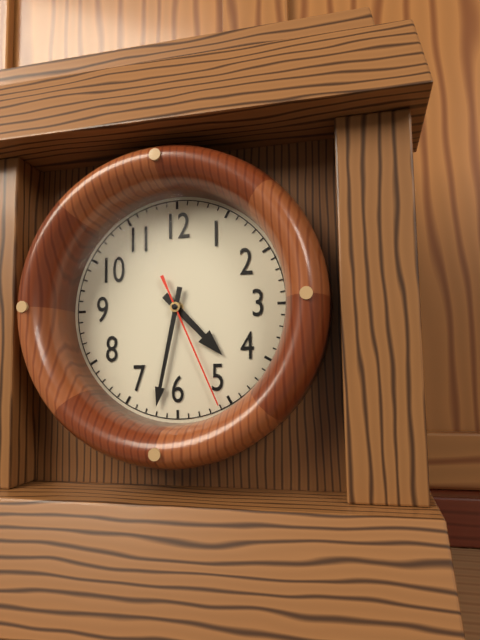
4:32:26
